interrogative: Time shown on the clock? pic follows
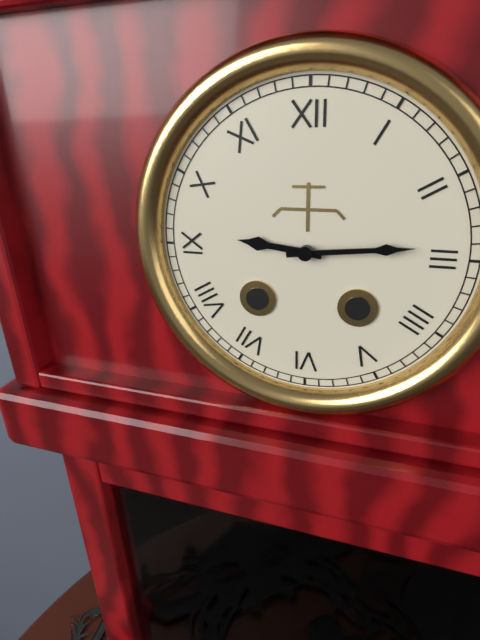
9:14
